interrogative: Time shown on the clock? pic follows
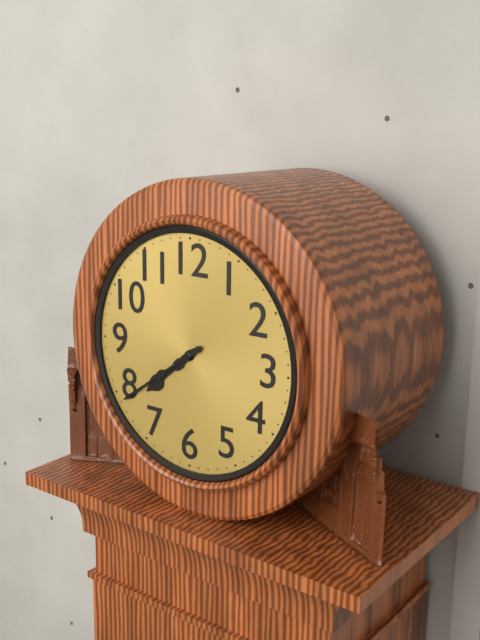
7:39
